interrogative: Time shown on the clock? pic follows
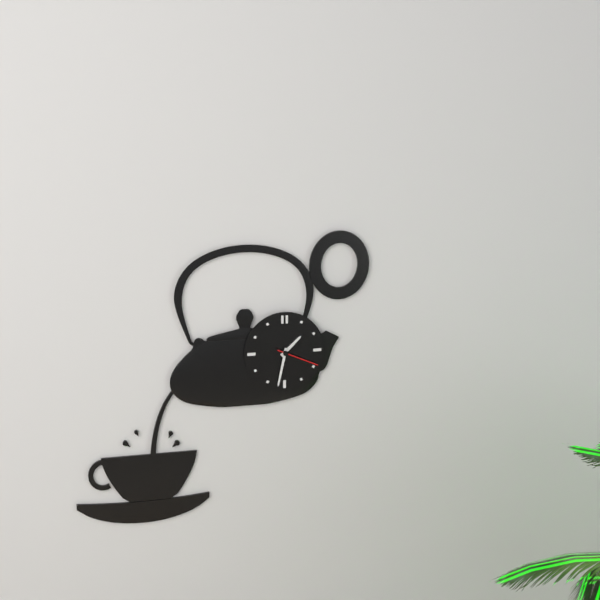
1:32
